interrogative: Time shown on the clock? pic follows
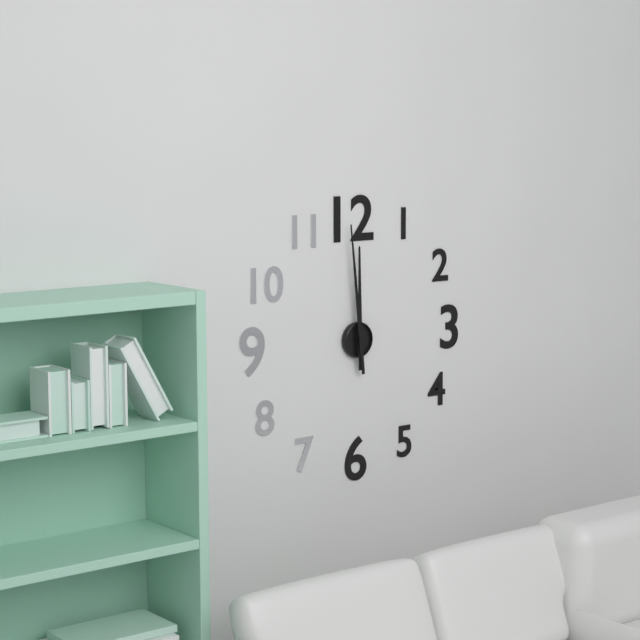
11:59
